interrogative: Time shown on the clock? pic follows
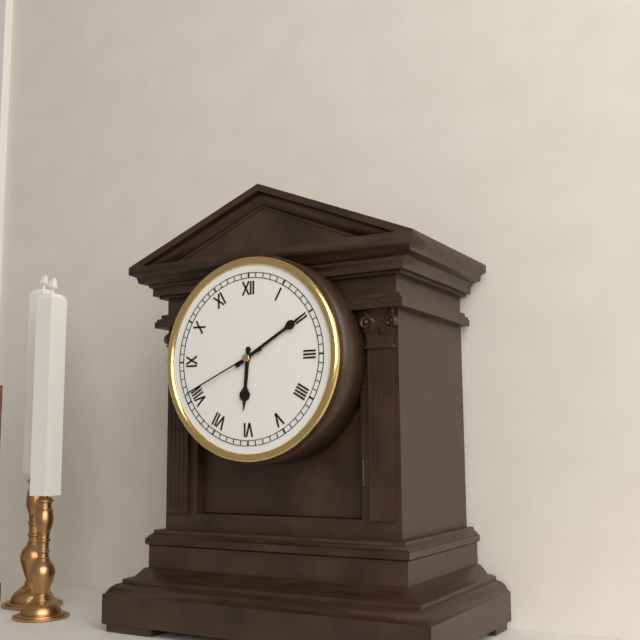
6:10:41
